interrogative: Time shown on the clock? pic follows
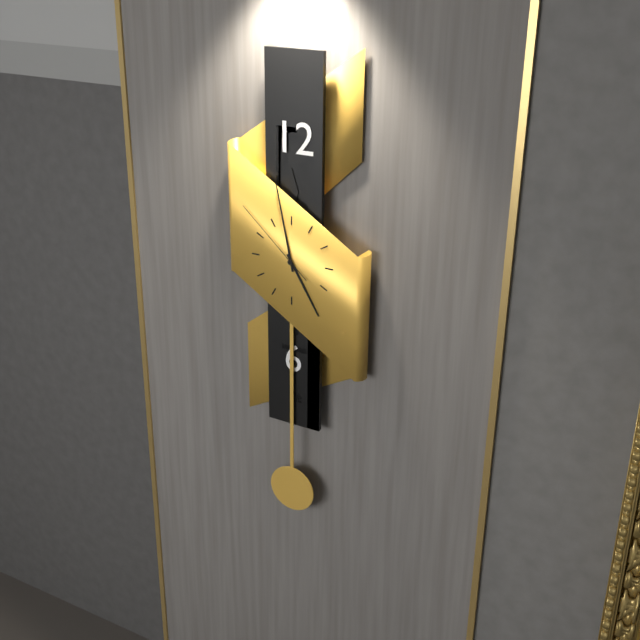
4:58:52
